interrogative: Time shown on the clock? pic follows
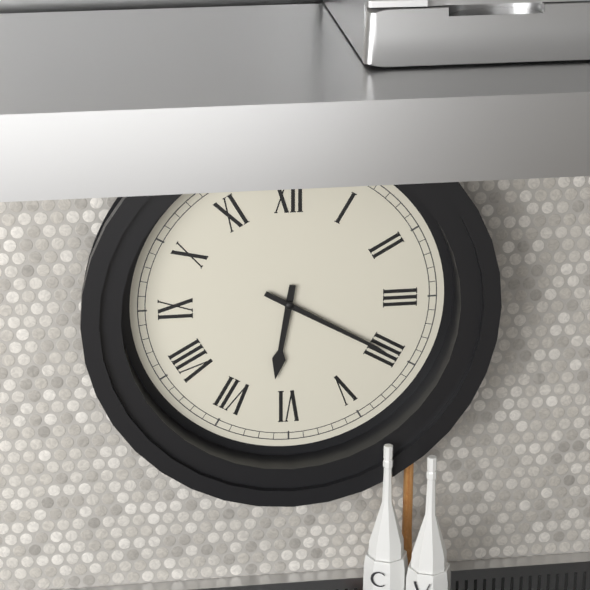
6:20
